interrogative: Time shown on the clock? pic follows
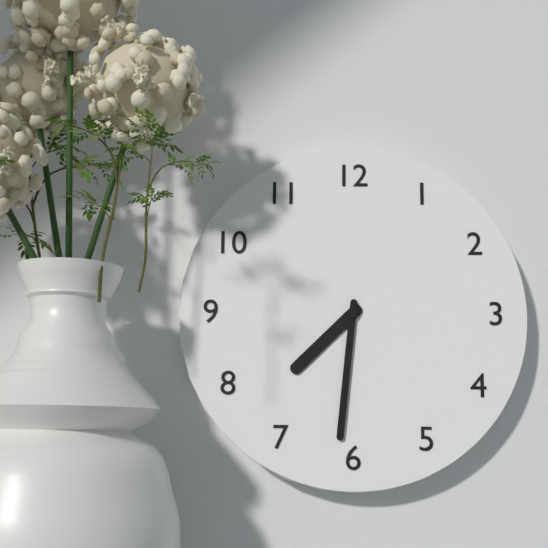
7:31
